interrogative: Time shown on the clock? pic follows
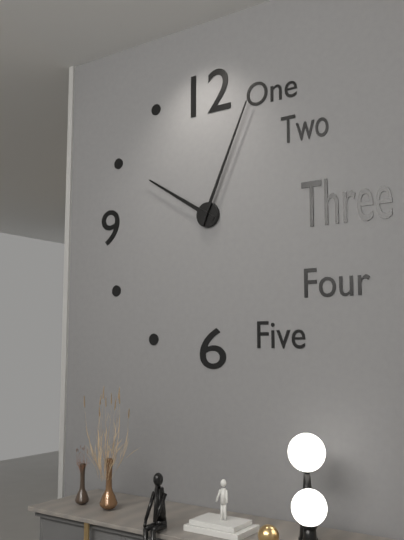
10:04
